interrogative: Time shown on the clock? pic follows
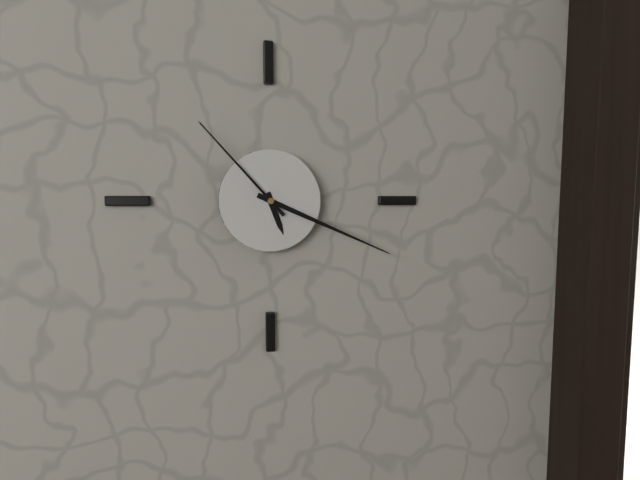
5:19:53
